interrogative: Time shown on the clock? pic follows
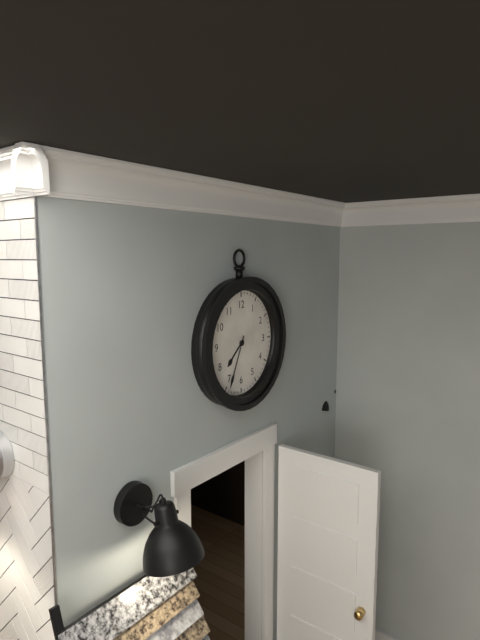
7:34
